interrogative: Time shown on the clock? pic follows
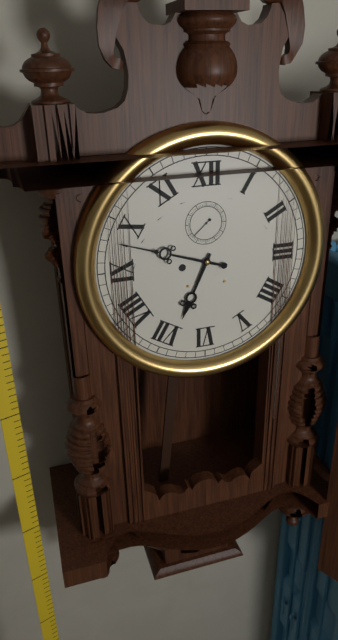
6:48
